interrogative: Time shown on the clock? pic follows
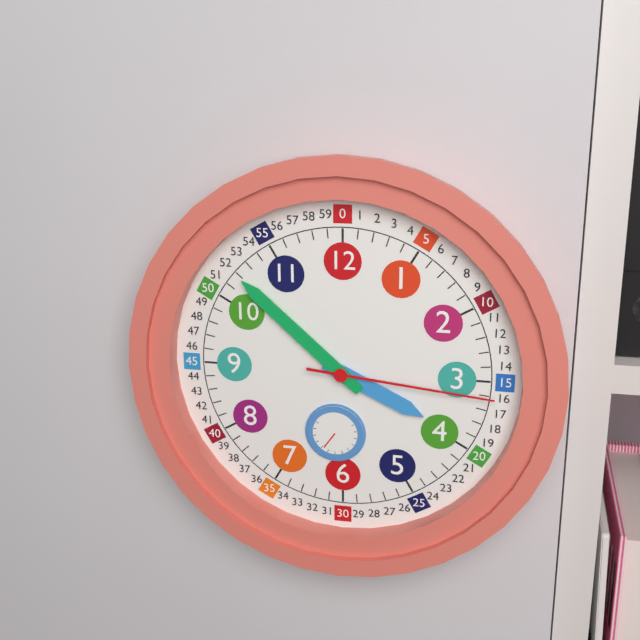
3:52:16
